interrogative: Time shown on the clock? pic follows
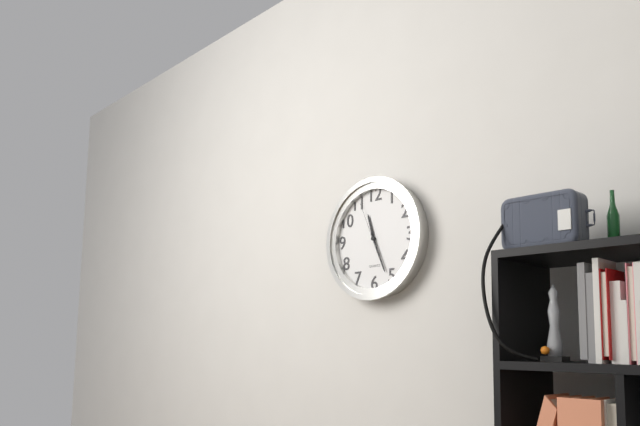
11:26
